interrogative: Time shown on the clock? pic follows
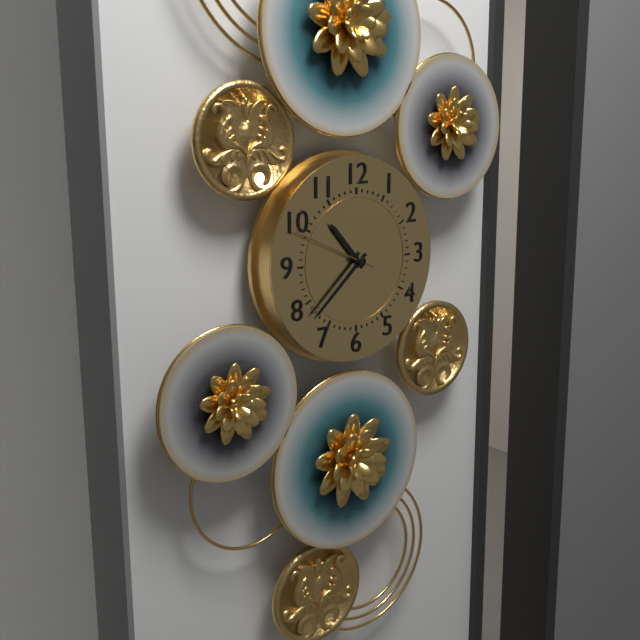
10:38:49
